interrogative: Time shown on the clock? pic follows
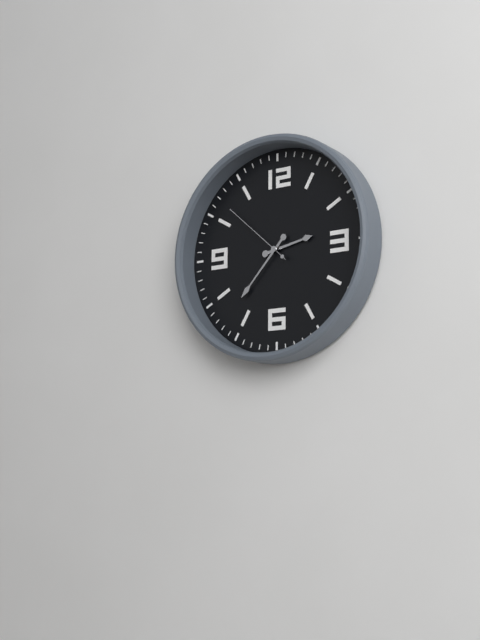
2:37:52
